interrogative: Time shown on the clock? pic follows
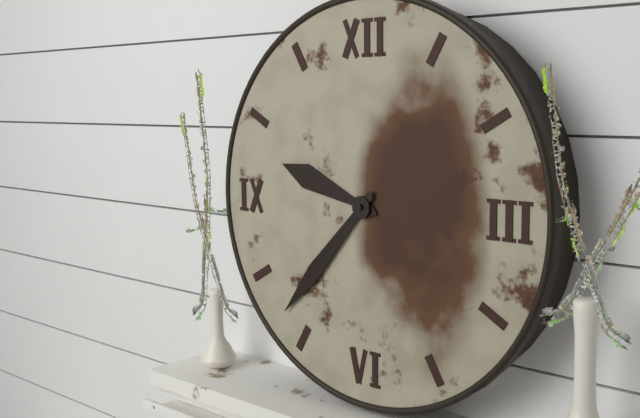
9:37
